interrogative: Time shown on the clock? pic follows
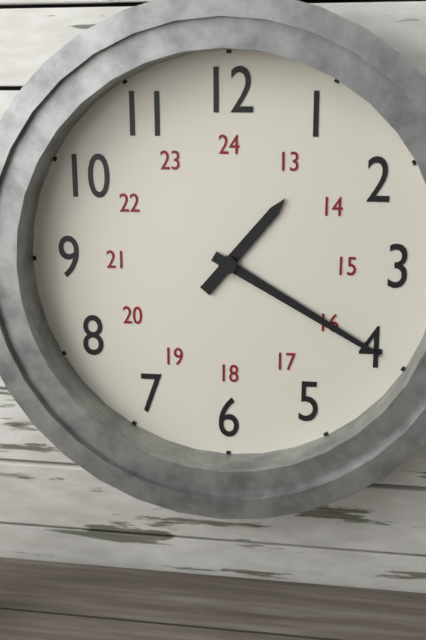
1:20
